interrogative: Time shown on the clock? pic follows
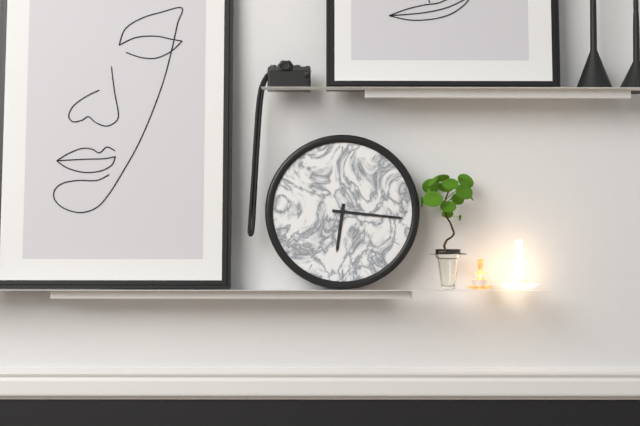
6:16
